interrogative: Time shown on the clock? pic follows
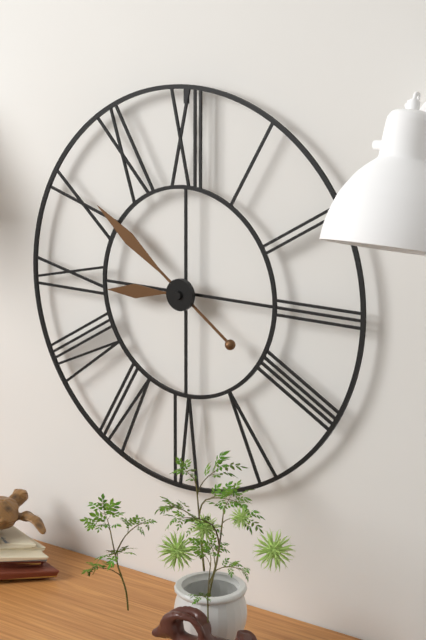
8:51
